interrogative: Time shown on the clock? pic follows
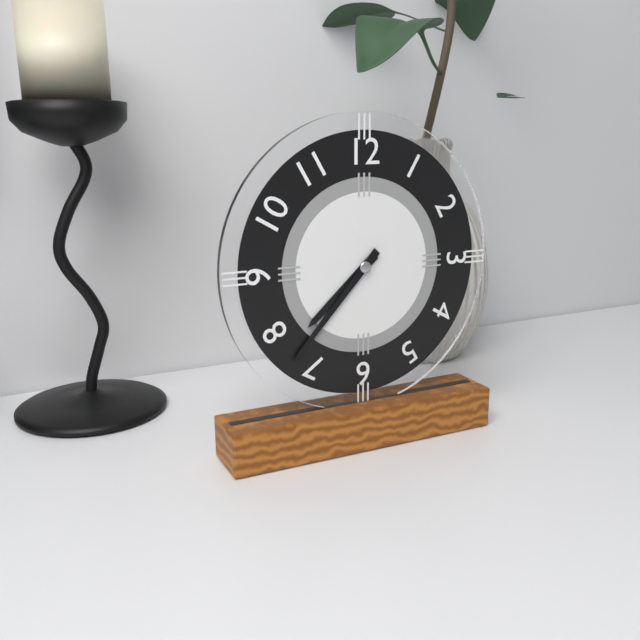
7:37
